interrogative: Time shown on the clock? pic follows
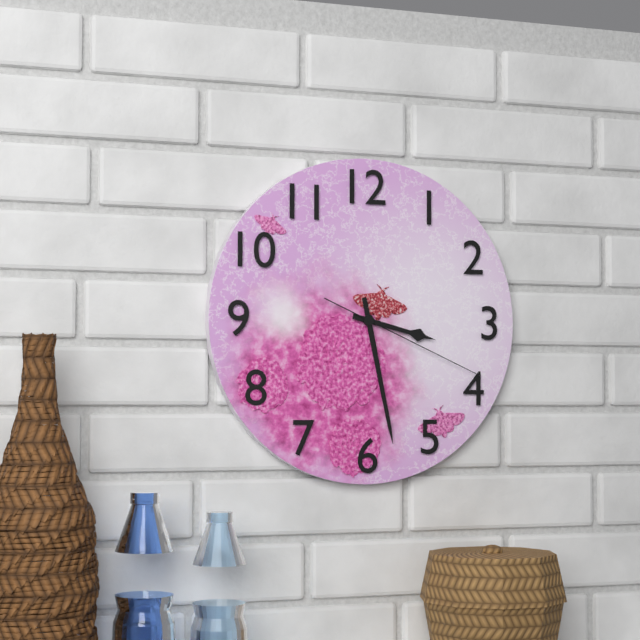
3:28:19
